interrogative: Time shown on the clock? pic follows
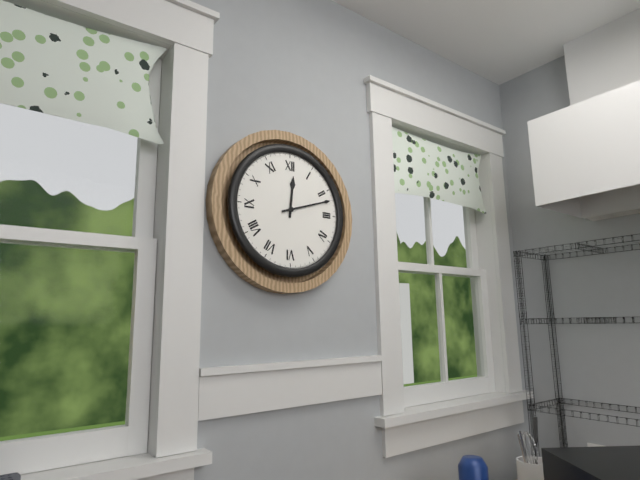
12:12
